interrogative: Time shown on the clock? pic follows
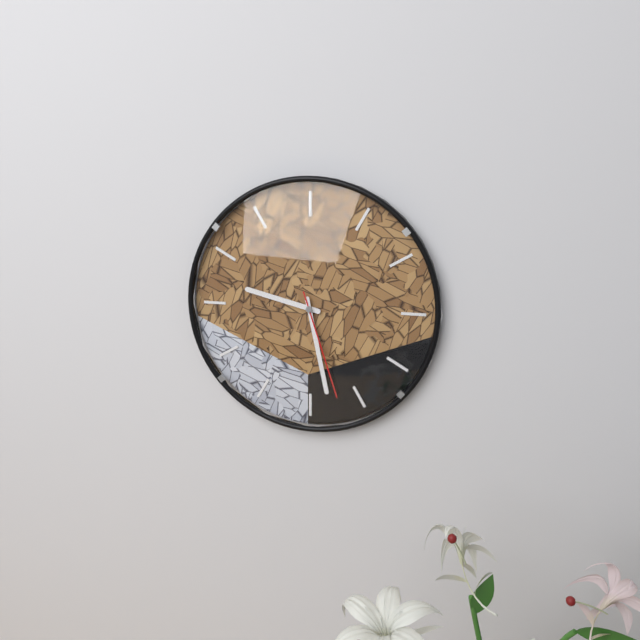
9:28:27
